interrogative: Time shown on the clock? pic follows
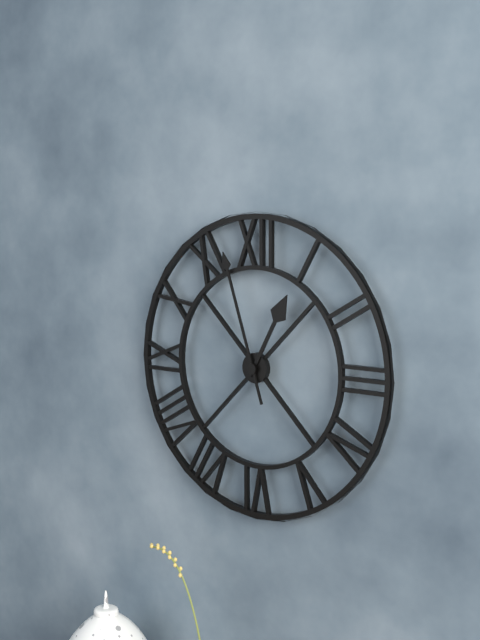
12:57
